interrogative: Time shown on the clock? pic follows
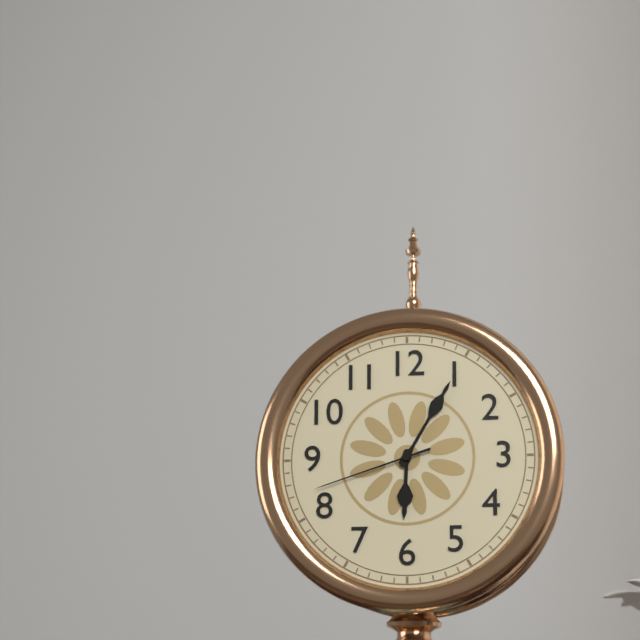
6:05:42
